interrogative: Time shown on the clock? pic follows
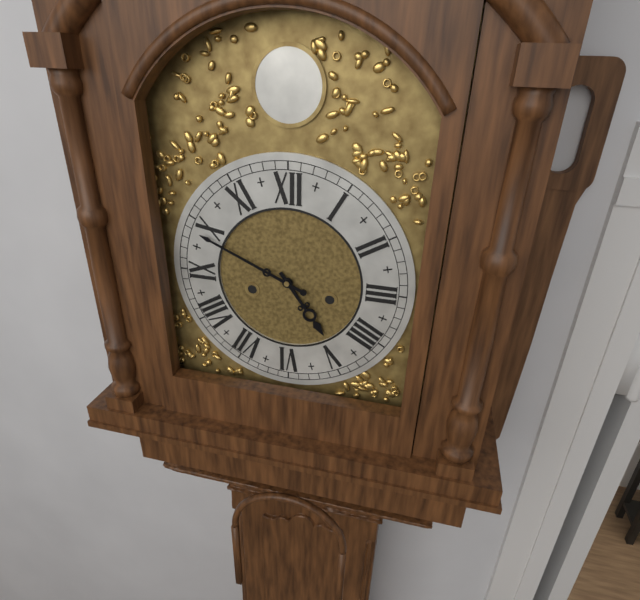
4:49
